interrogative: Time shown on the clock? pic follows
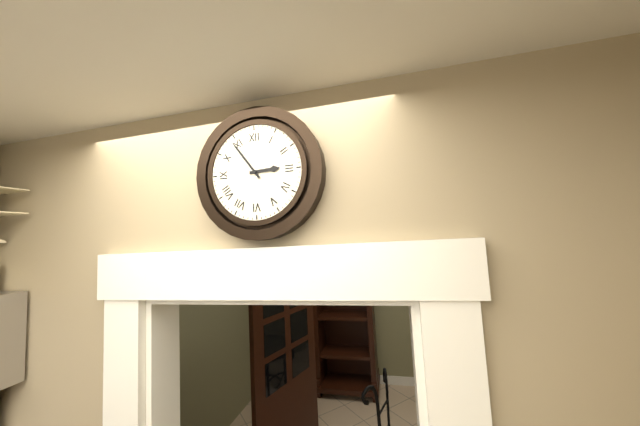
2:54
